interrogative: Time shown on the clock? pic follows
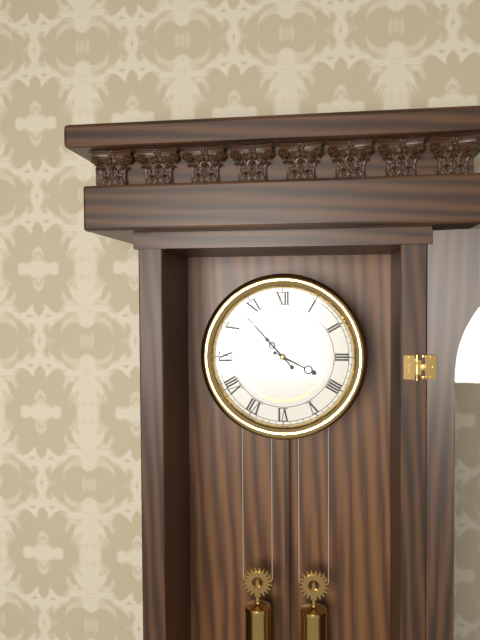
3:53
